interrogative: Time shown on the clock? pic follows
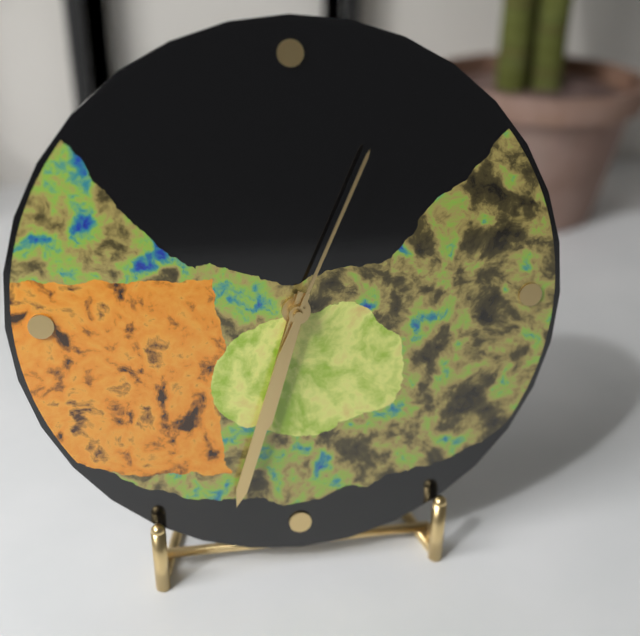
6:33:04
